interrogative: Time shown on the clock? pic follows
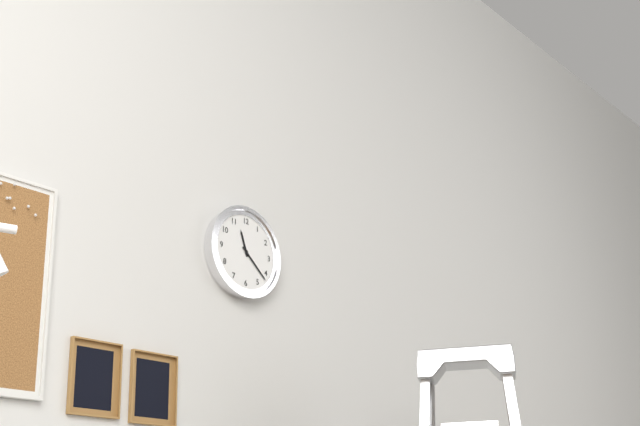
11:22
